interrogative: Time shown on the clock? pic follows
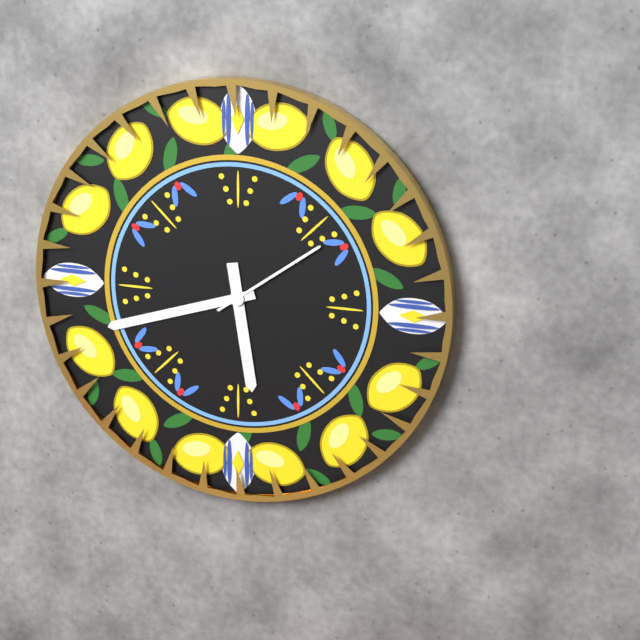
5:42:09
